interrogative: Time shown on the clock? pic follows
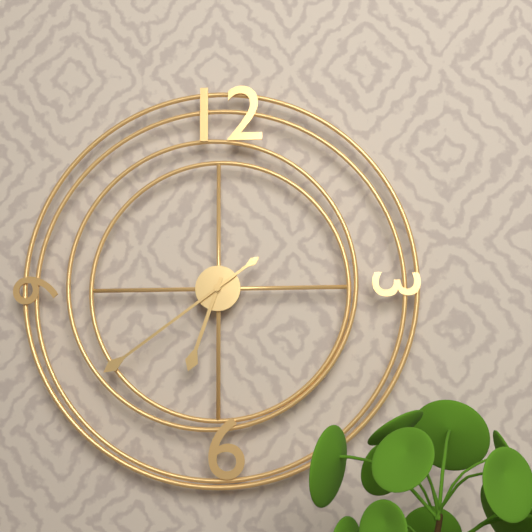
6:39
